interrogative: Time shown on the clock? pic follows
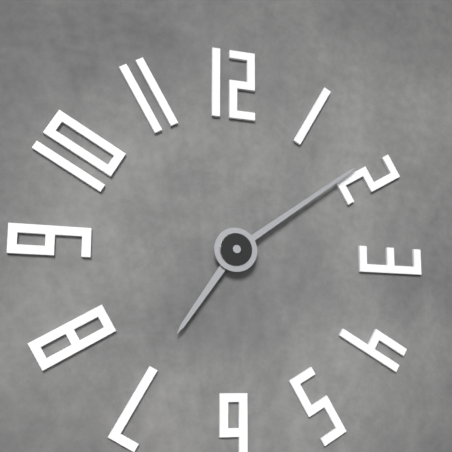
7:09
